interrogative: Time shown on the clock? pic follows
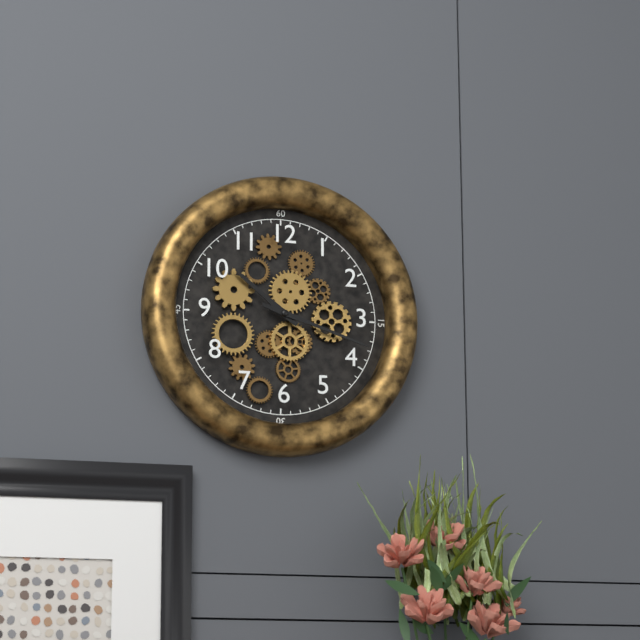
10:18
